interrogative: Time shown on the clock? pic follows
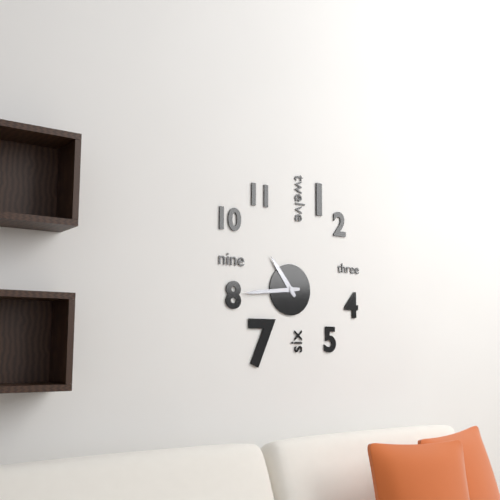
10:44
